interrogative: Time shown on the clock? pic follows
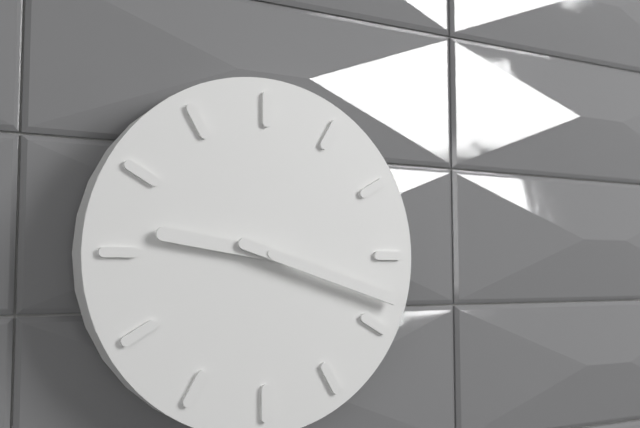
9:18
